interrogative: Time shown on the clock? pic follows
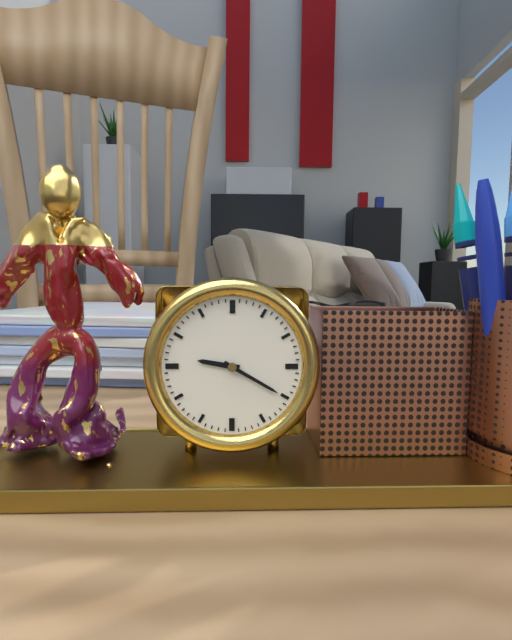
9:20
